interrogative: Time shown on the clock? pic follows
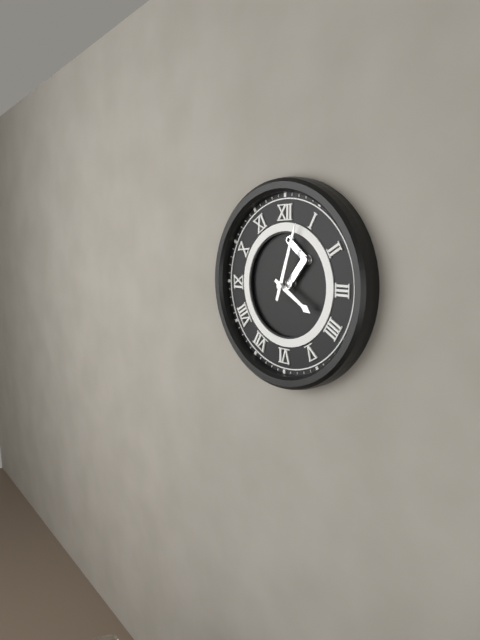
4:03
